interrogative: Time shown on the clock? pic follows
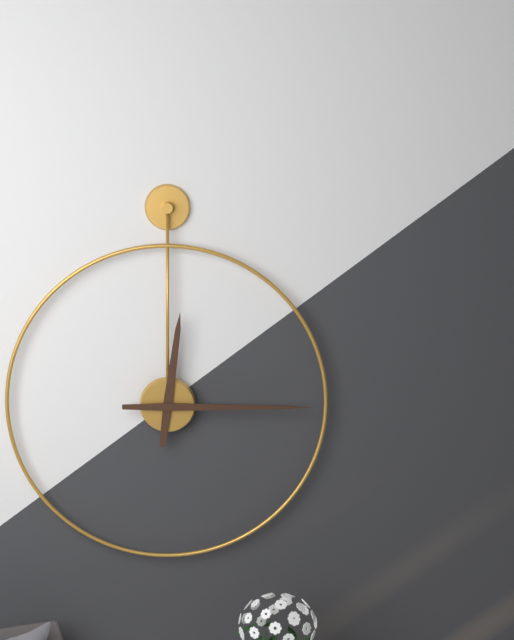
12:15
